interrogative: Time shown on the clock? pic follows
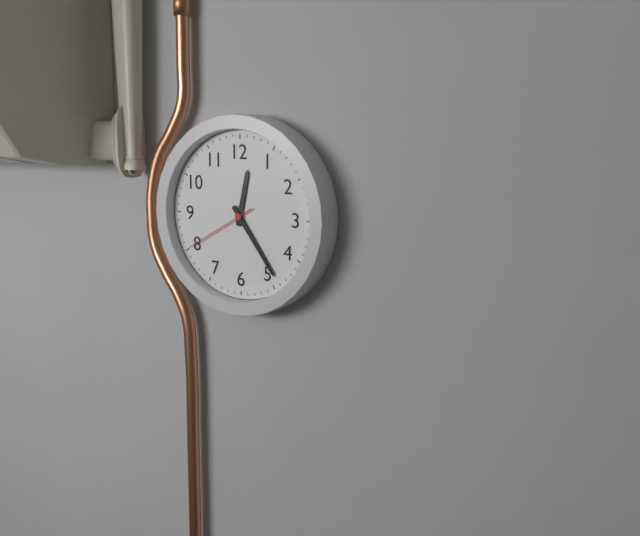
12:24:40
